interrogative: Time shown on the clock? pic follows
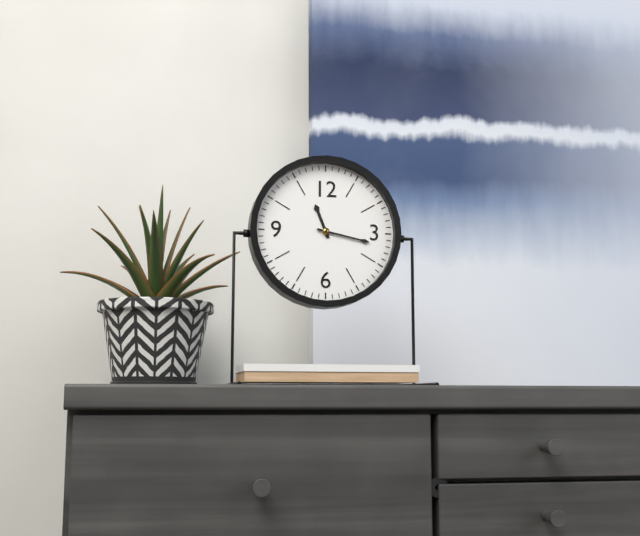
11:17
